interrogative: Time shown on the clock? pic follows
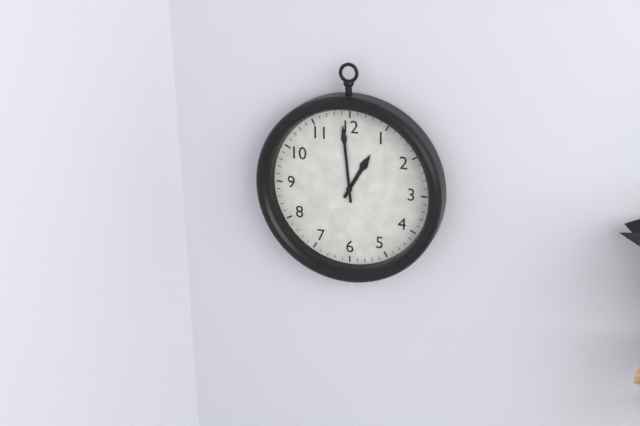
12:59
